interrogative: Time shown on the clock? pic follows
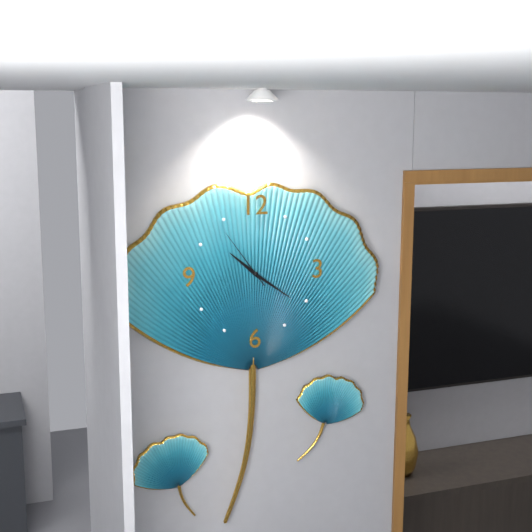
10:21:54
